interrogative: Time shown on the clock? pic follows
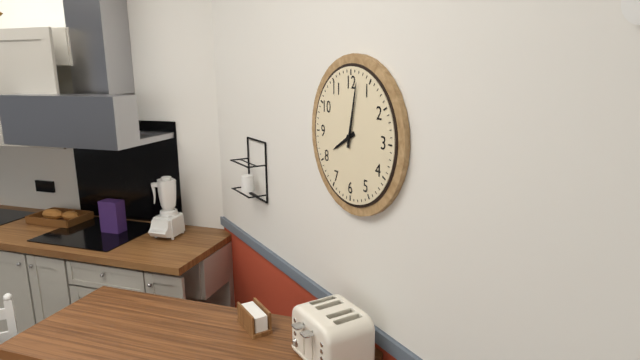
8:02
